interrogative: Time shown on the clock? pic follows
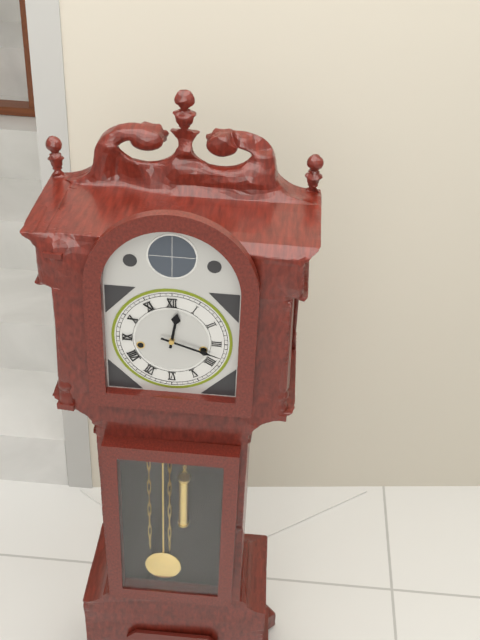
12:18
